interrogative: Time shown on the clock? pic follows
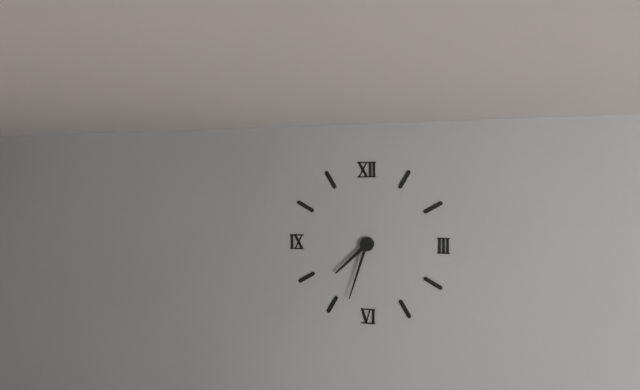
7:33
